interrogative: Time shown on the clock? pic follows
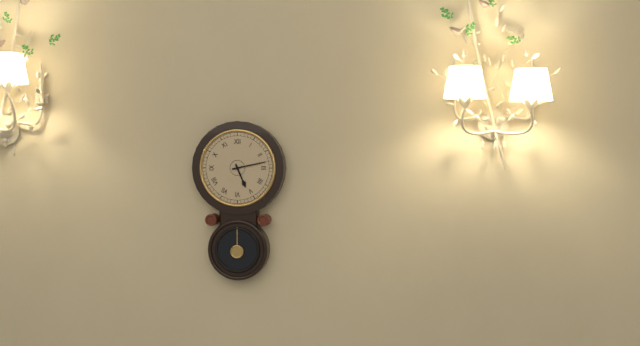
5:13
